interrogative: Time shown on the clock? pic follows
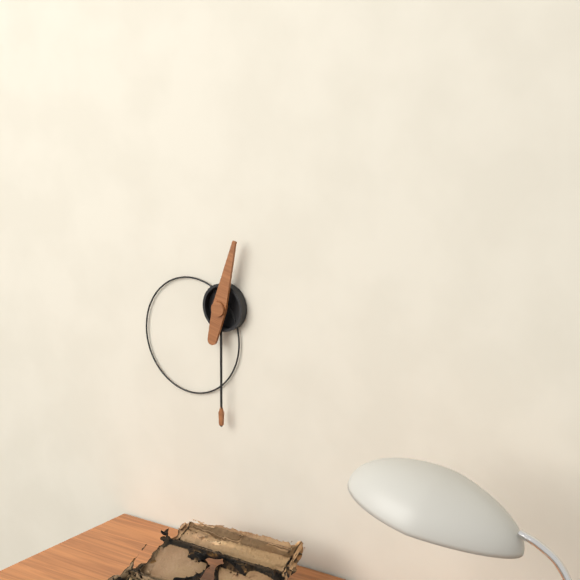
12:30
